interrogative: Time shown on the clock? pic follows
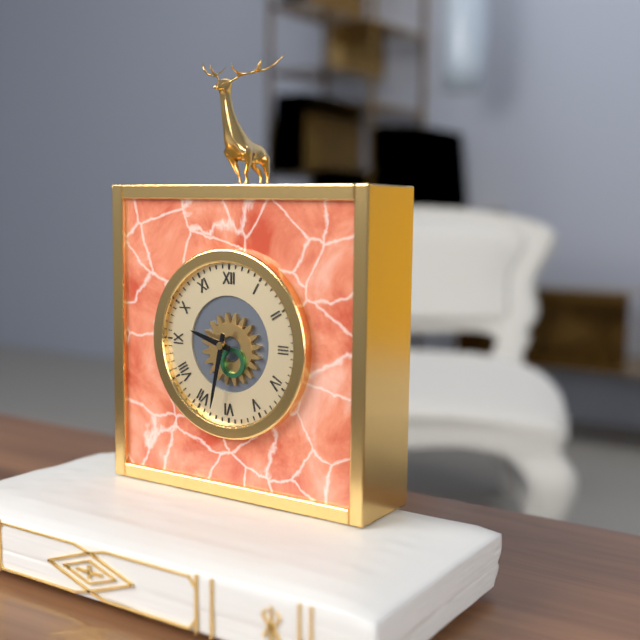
9:32
